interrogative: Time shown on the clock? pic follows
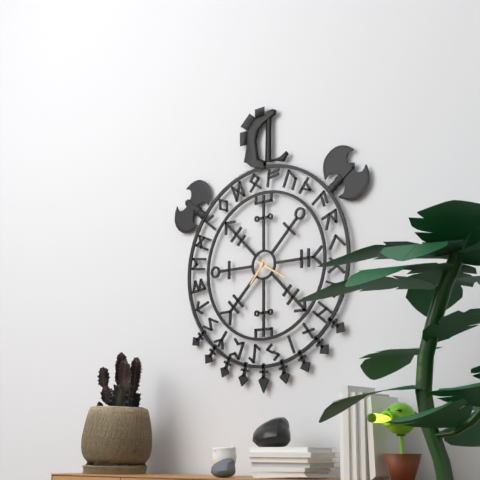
7:20
